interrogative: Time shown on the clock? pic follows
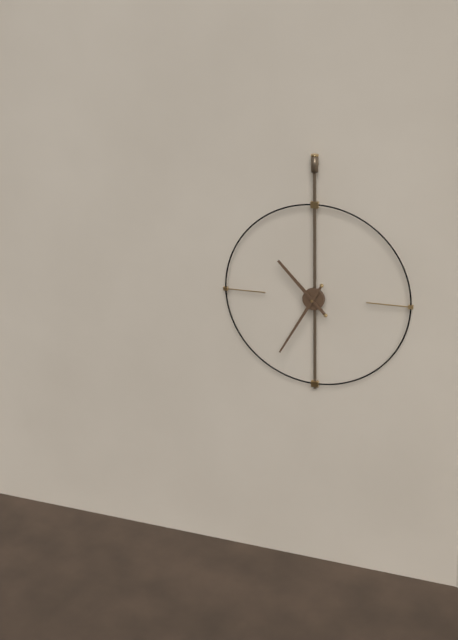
10:35
